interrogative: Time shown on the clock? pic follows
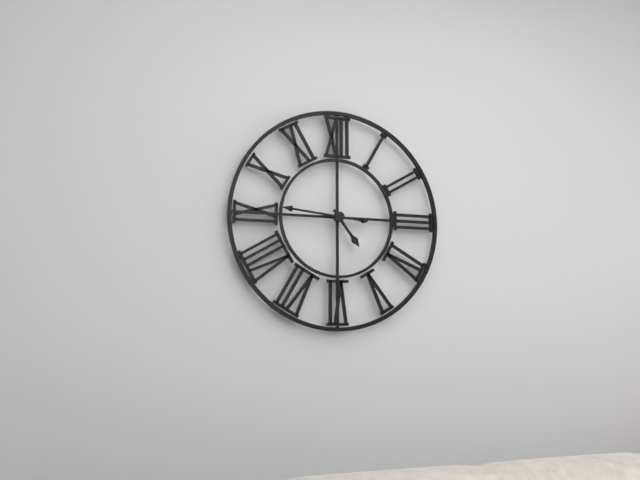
4:46
